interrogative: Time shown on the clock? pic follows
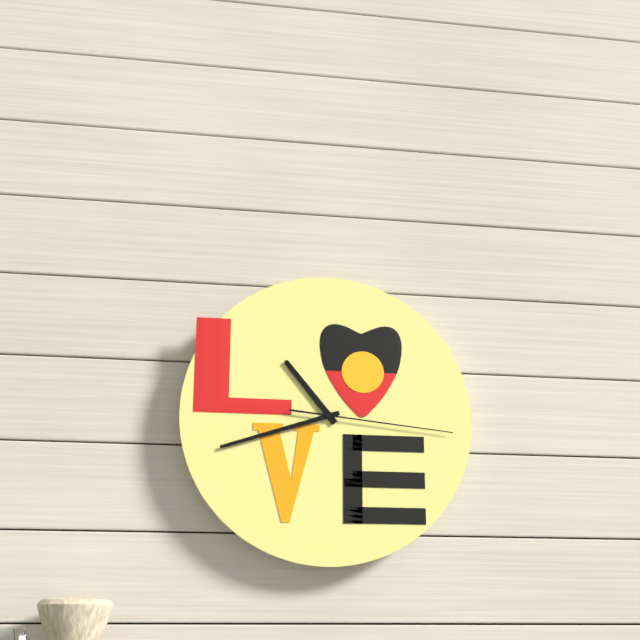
10:42:16
